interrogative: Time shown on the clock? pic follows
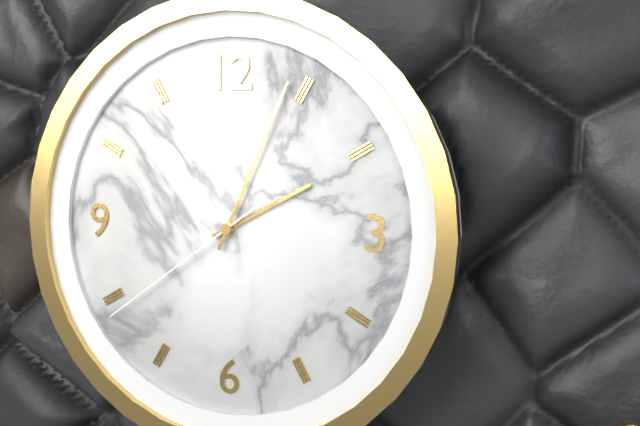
2:04:39
